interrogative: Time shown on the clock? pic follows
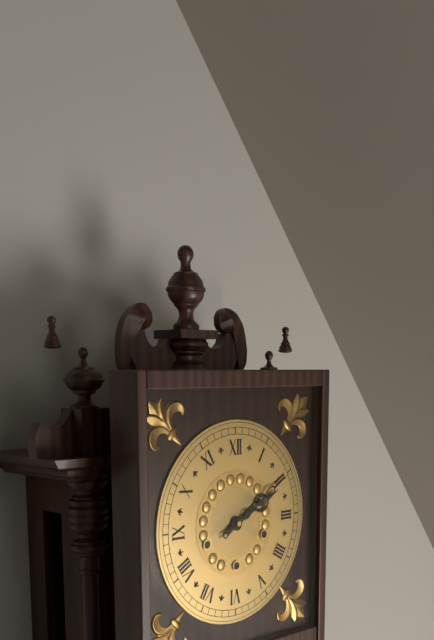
2:10
